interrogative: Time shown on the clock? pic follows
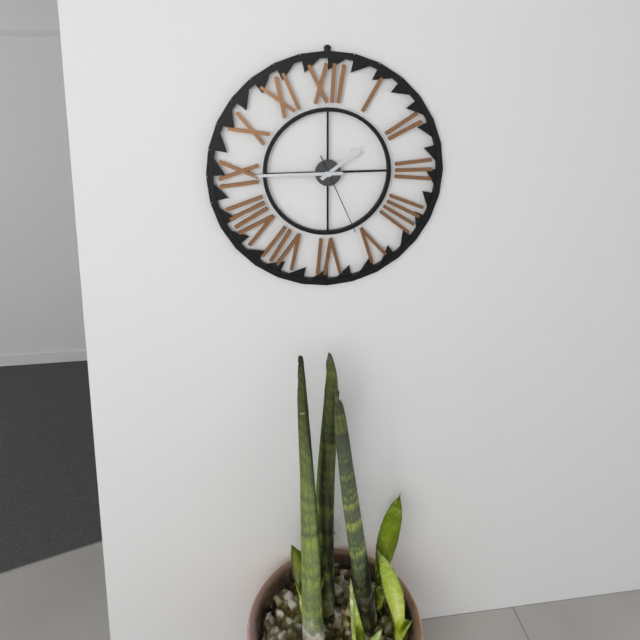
1:45:26
